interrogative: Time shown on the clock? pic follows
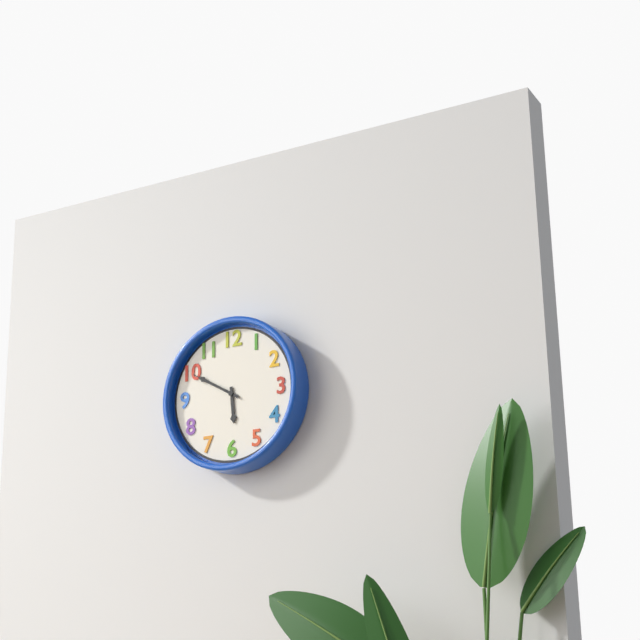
5:50:50
